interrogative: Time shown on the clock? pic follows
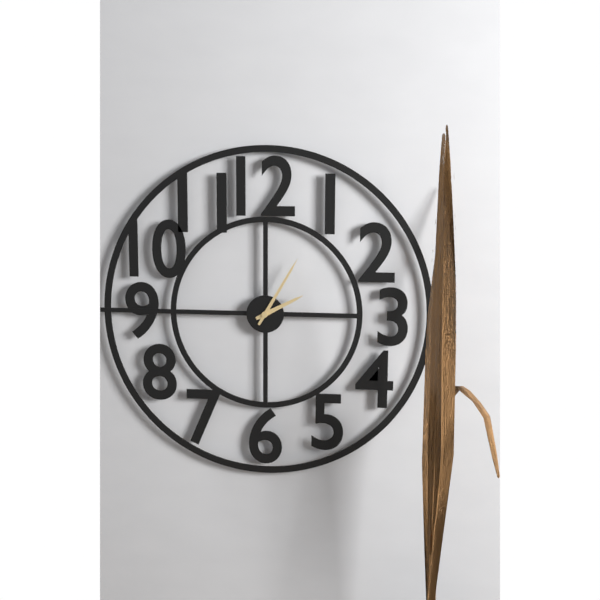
2:05
